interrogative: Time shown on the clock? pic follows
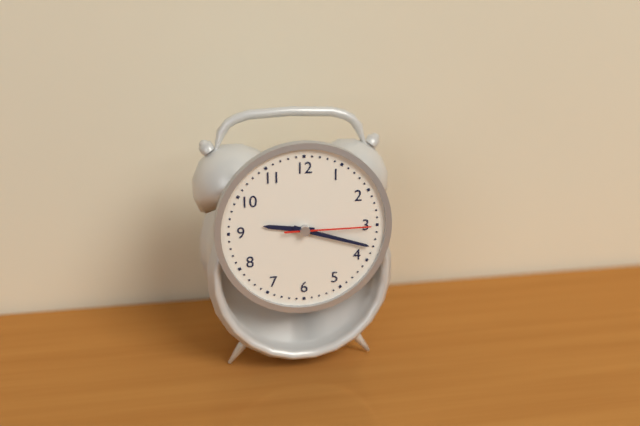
9:18:15
